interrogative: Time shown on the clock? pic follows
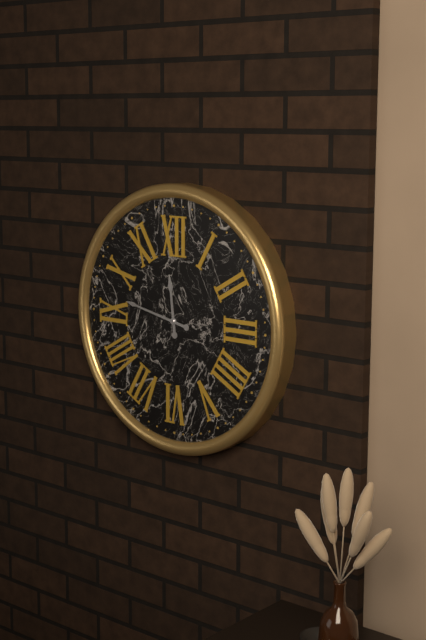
11:47
